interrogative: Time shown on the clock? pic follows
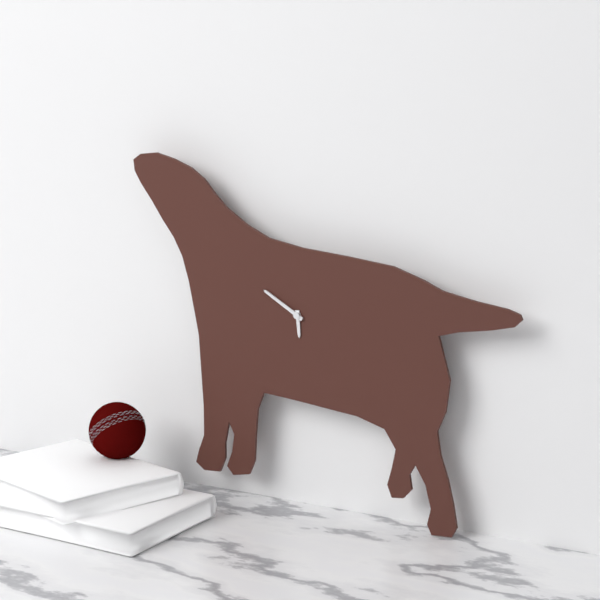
5:50
